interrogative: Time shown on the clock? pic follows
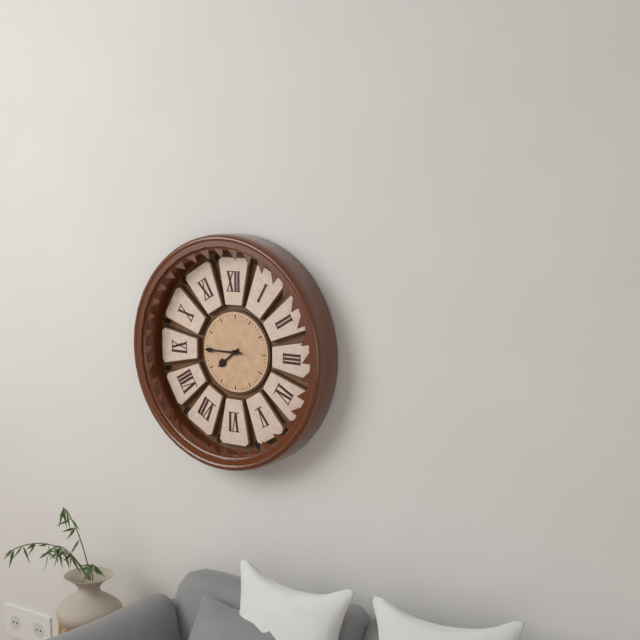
7:45
